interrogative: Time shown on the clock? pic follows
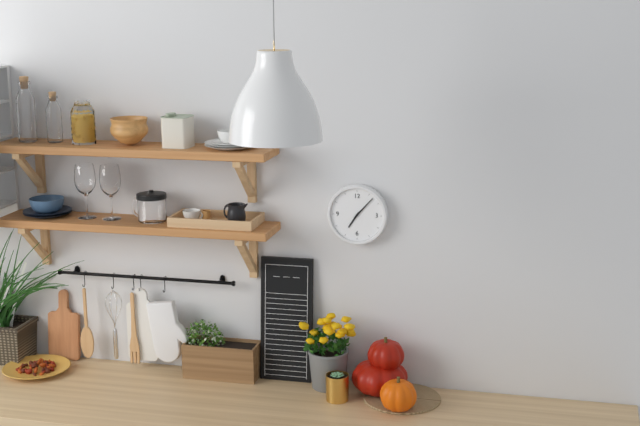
7:07
